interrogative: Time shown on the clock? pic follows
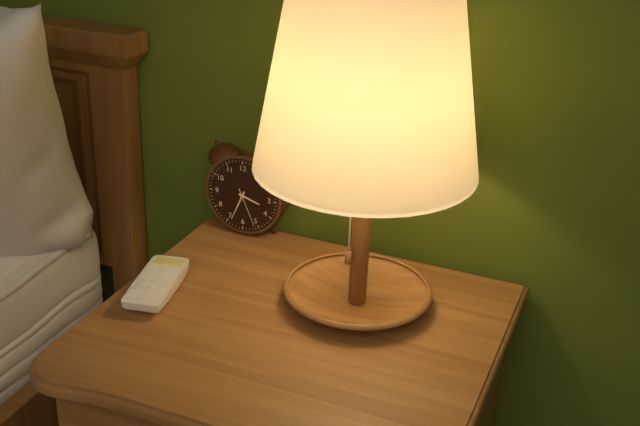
3:34
